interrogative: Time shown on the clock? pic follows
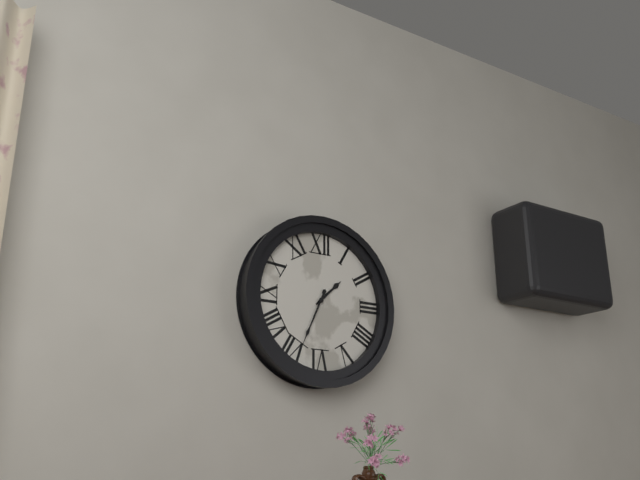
1:34
